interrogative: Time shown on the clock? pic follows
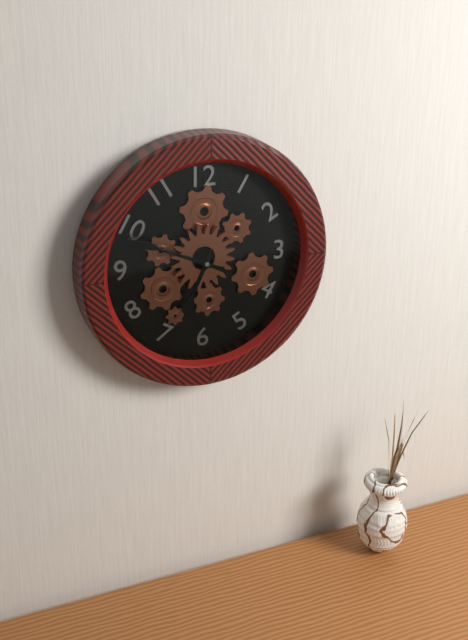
6:49
